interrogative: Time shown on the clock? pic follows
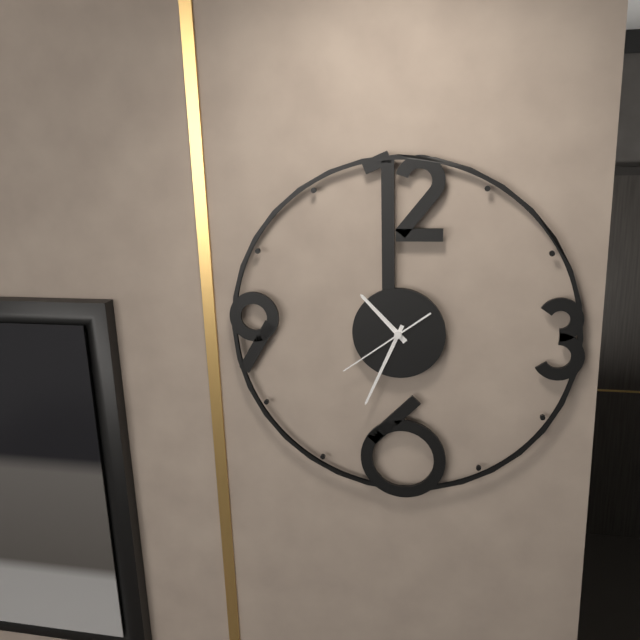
10:34:39
